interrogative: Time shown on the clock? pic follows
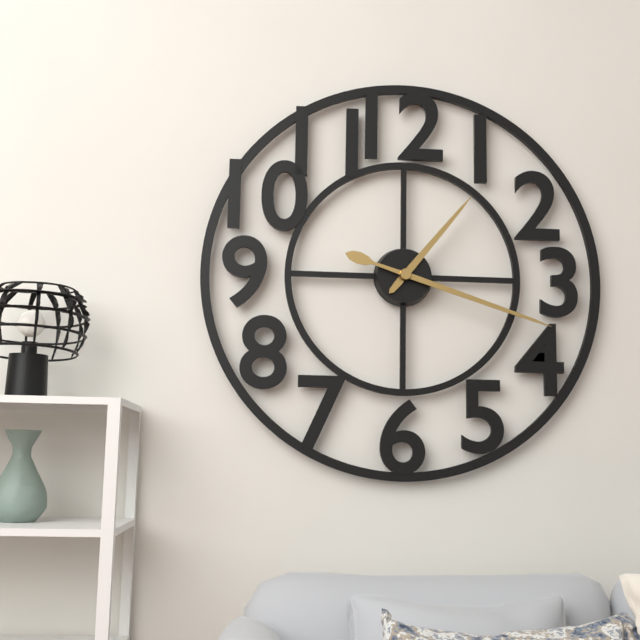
1:18
